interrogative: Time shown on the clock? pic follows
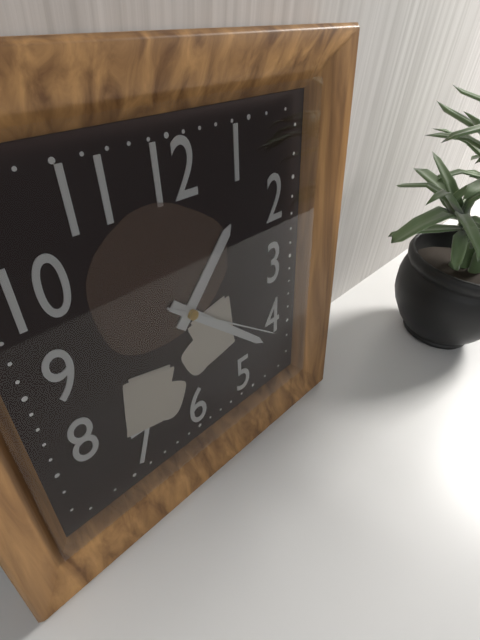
1:22:21
